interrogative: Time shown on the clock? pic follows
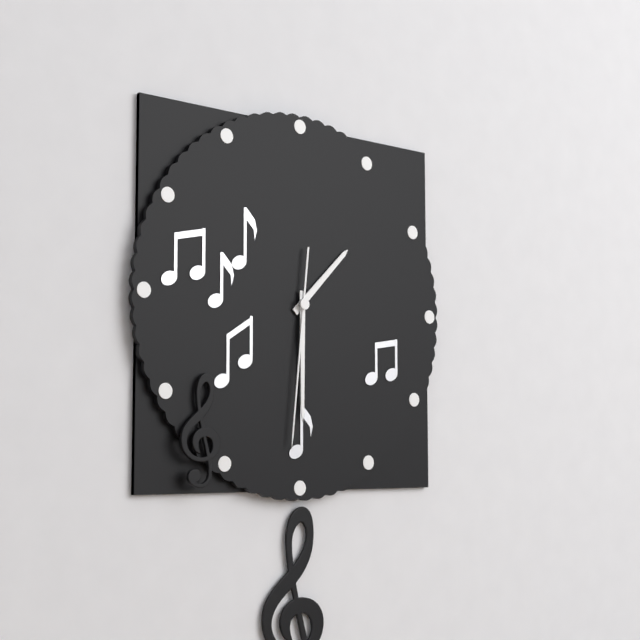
1:30:31
